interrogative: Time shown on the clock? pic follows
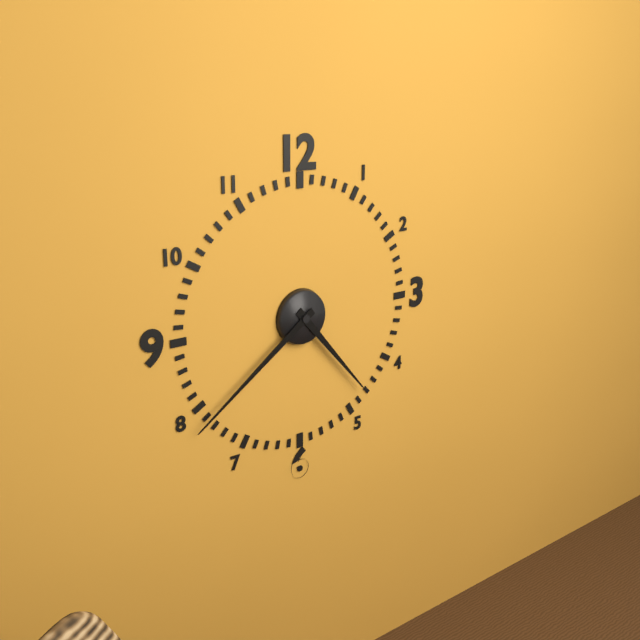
4:39
